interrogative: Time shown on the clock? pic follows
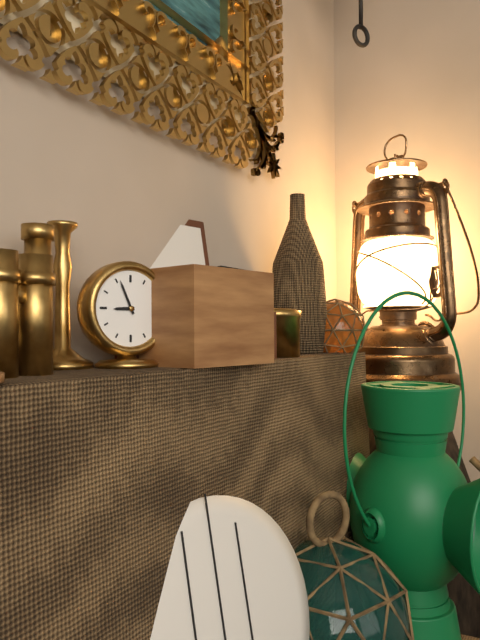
8:56
